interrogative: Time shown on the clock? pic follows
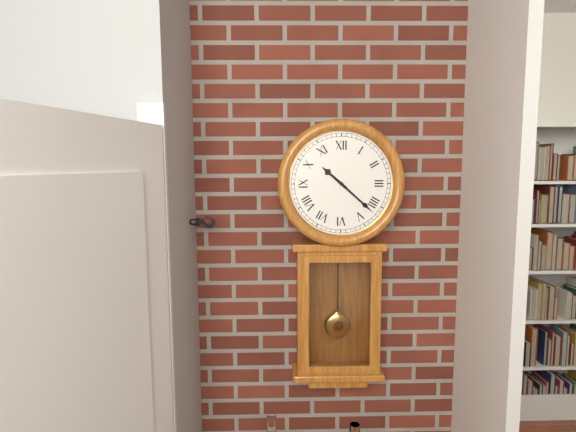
10:22
